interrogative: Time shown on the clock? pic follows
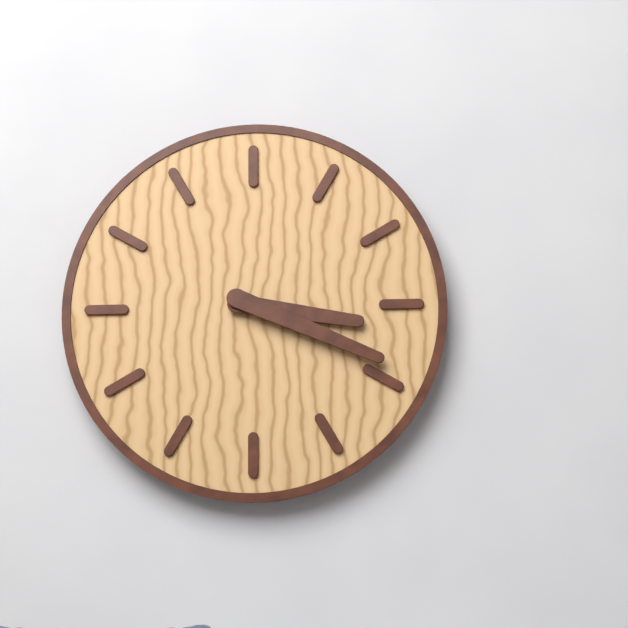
3:19
